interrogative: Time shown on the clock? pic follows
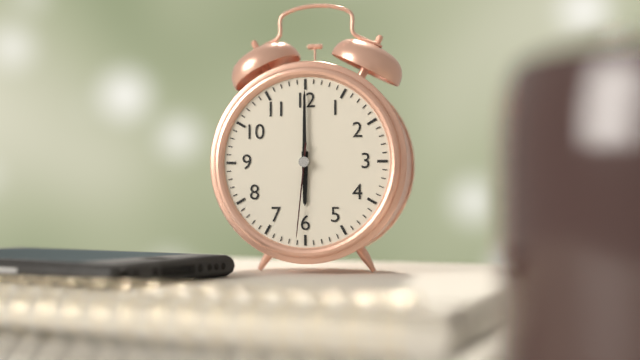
6:00:31
